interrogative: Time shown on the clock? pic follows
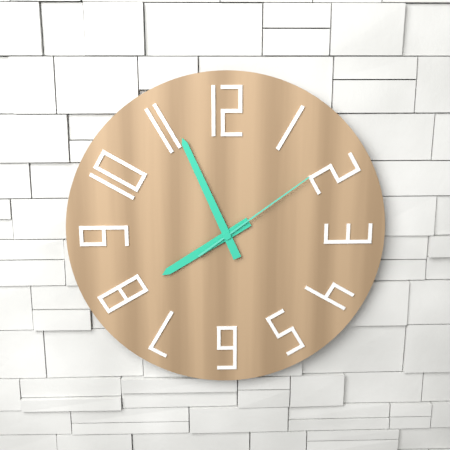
7:56:09
